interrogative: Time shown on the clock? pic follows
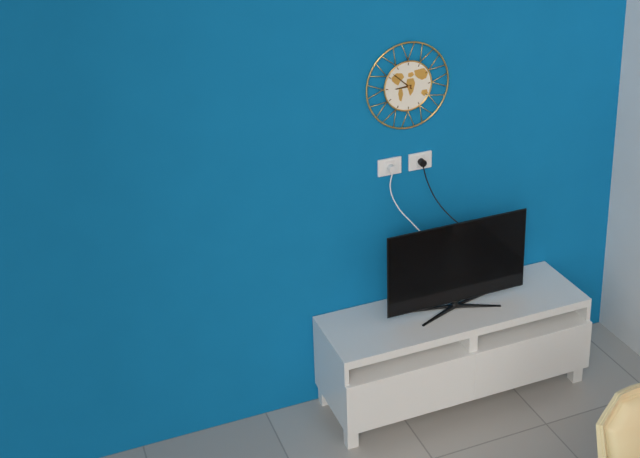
8:52
